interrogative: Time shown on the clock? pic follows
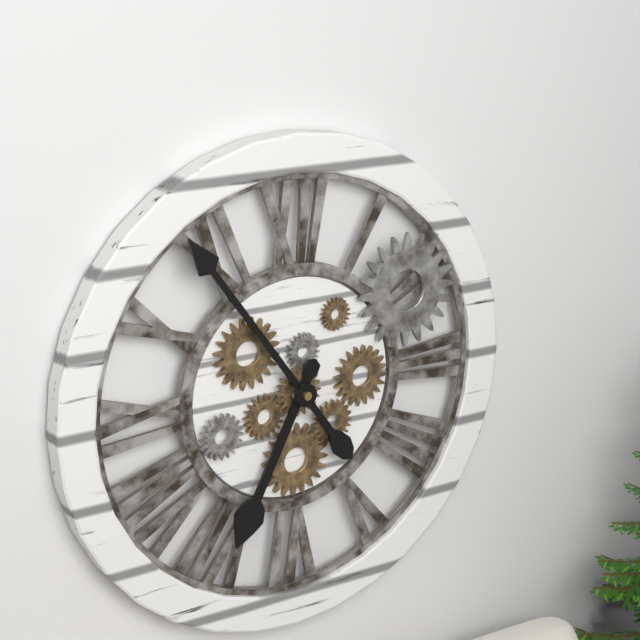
6:54
